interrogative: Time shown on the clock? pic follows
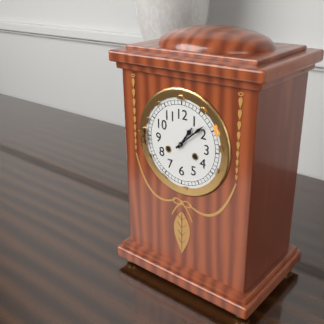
1:08
